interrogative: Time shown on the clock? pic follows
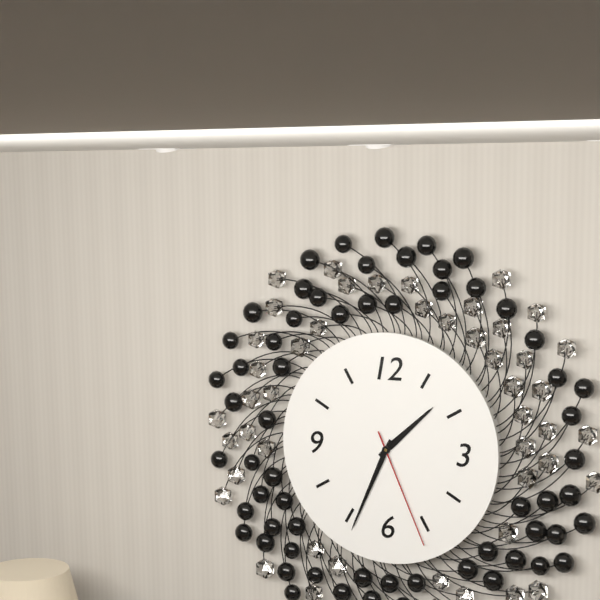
1:34:26
